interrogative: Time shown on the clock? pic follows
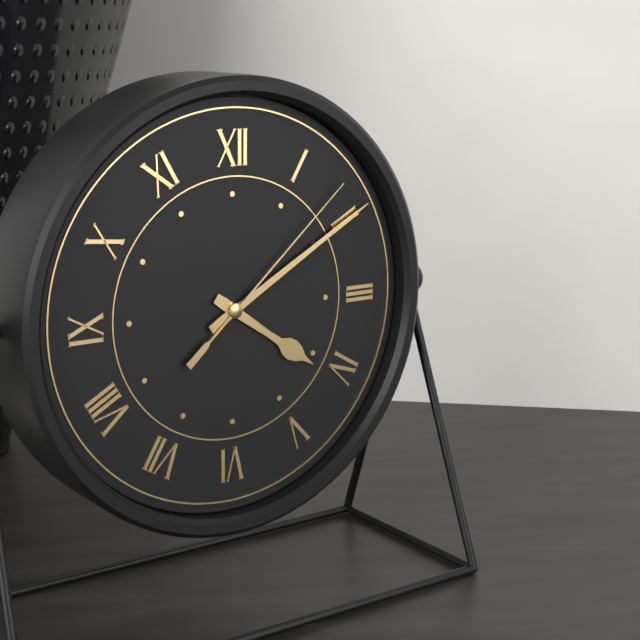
4:10:08
